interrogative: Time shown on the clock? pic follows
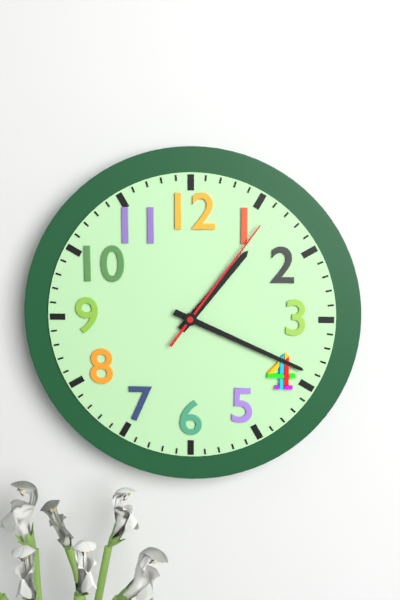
1:19:06
